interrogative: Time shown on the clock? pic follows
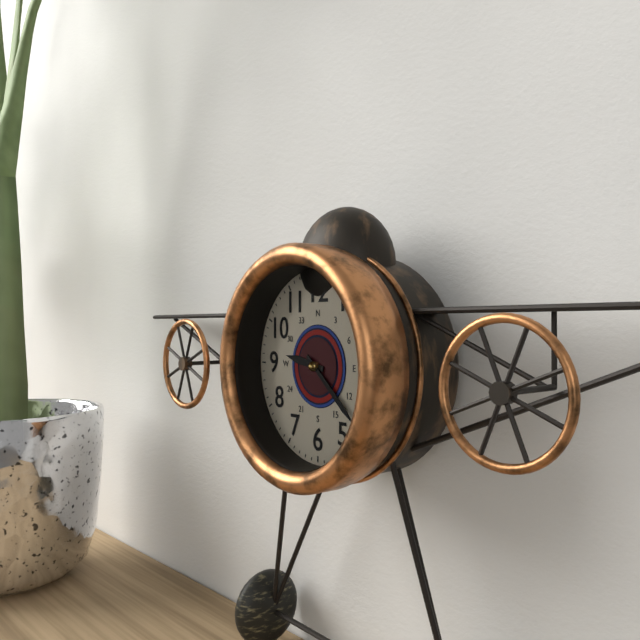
9:22
